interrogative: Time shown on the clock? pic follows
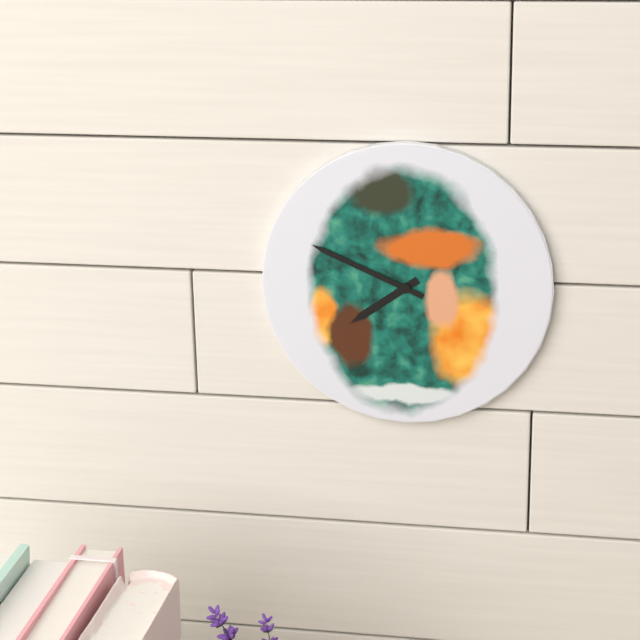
7:49
